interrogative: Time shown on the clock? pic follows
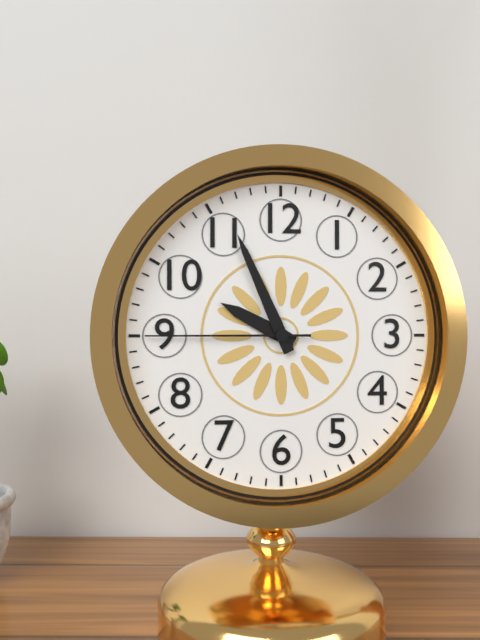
9:56:45
